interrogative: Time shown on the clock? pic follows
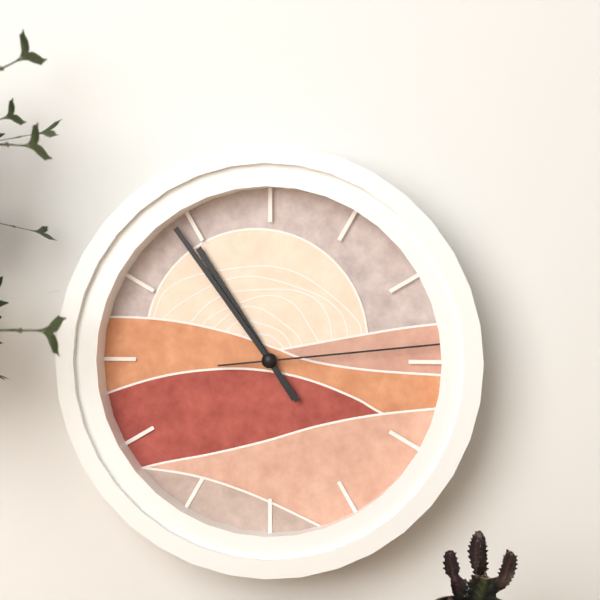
10:54:14
